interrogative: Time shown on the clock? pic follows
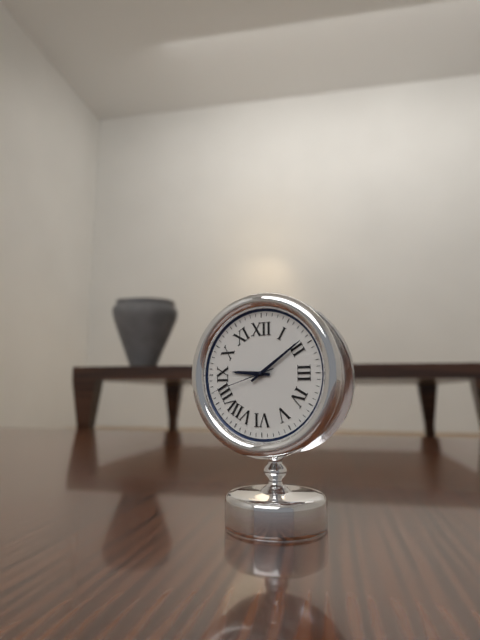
9:09:42
